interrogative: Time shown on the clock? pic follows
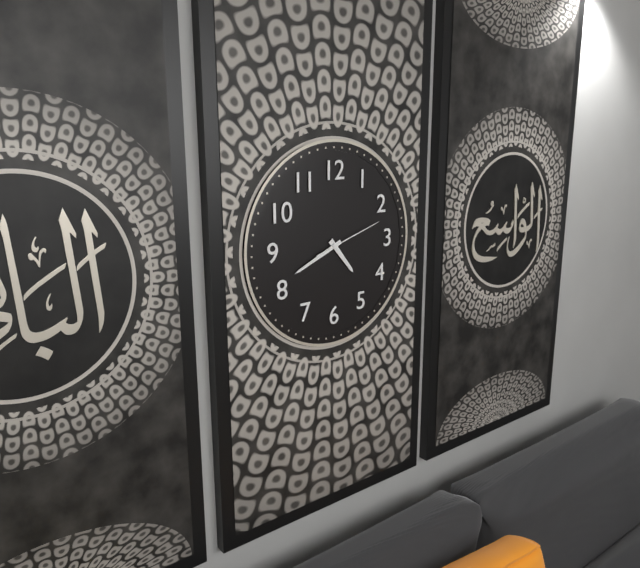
4:41:12
